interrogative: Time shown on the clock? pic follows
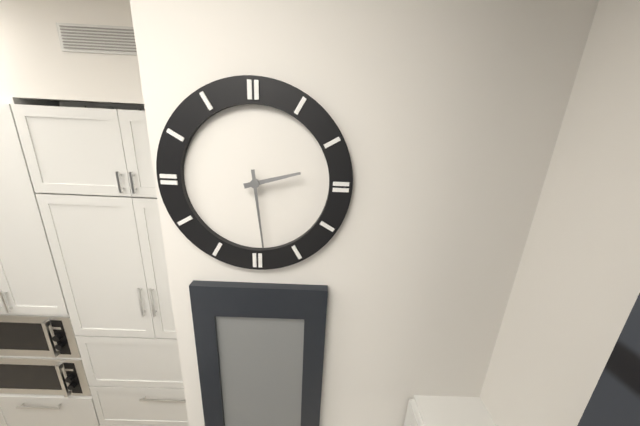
2:29
